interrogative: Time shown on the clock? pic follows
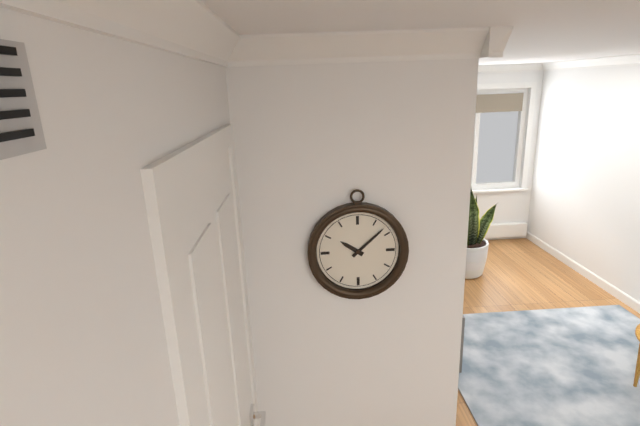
10:08
